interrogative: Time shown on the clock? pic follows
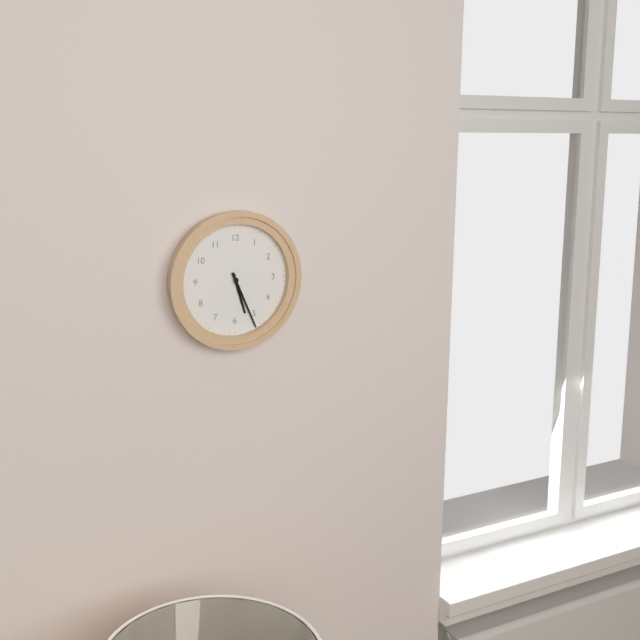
5:26
